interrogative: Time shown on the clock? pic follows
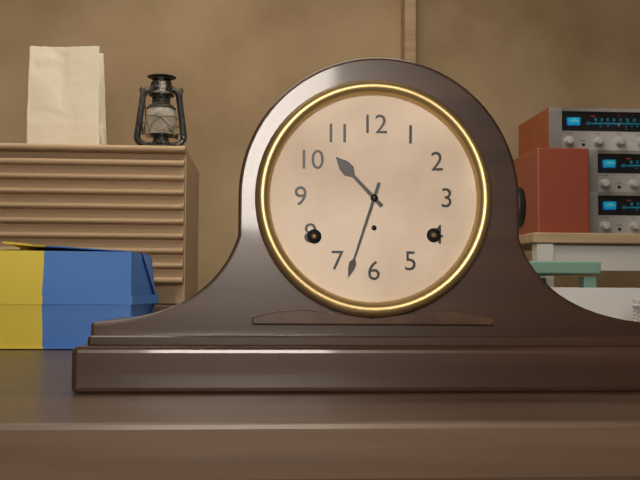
10:33
